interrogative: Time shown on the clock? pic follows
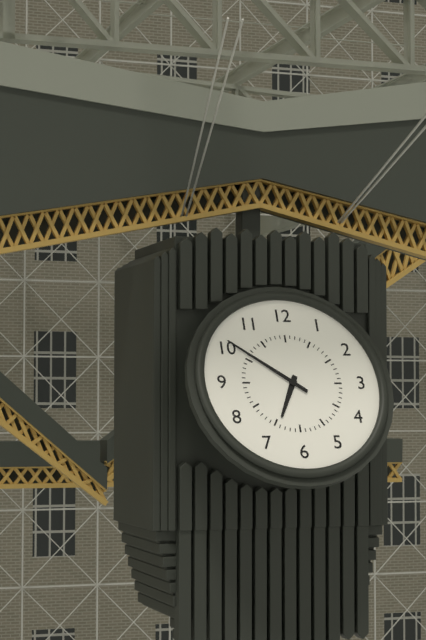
6:51
